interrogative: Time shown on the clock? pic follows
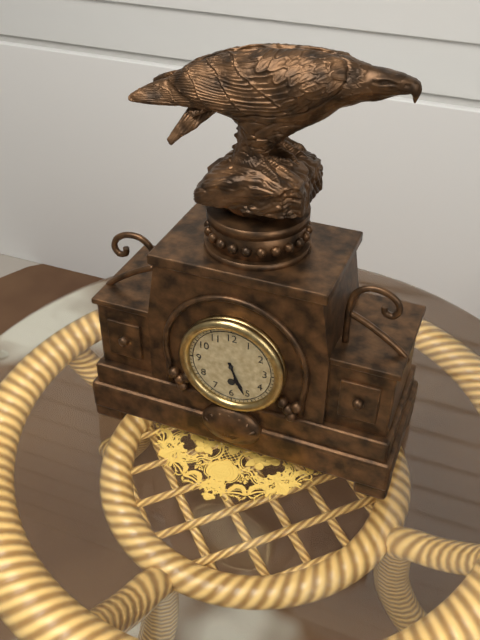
5:26
